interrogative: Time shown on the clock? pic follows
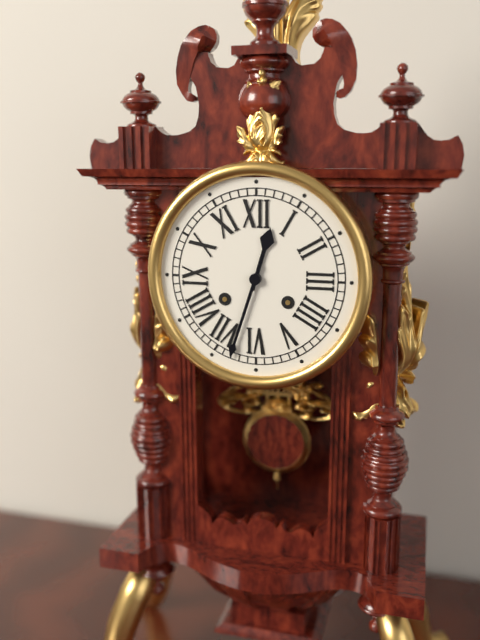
12:33
